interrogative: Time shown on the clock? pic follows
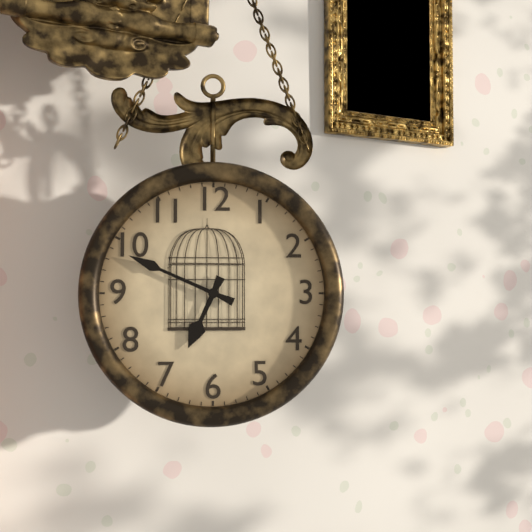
6:49
